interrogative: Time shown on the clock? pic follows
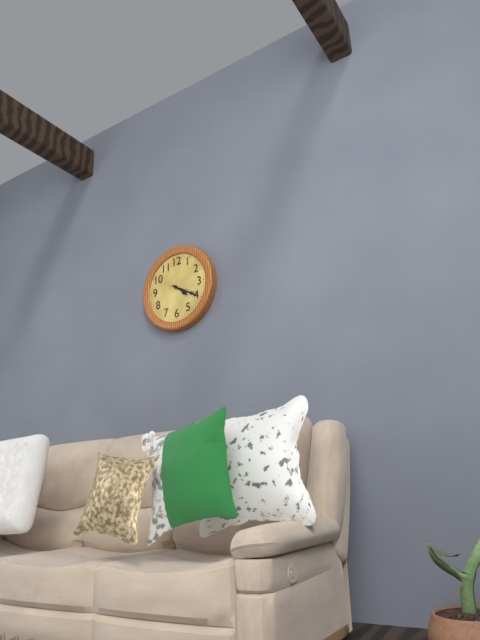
4:20
